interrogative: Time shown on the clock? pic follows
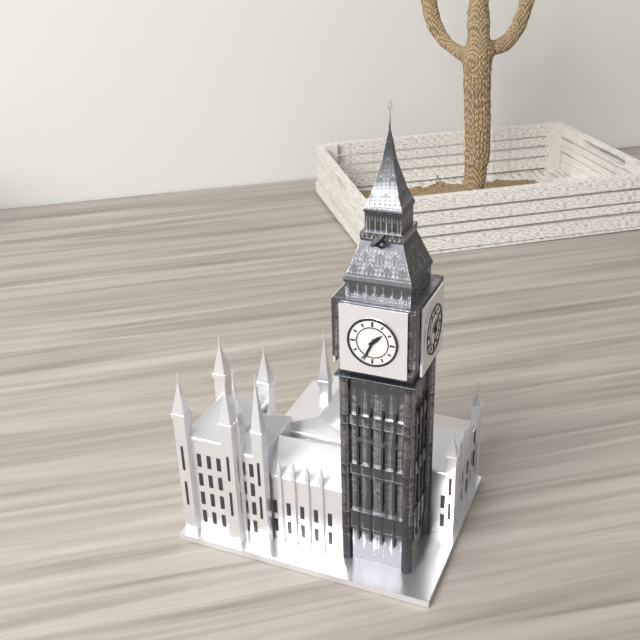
1:34
